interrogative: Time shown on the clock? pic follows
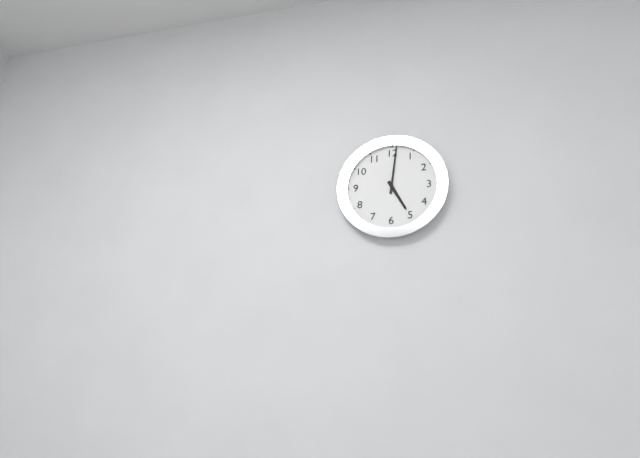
5:01
